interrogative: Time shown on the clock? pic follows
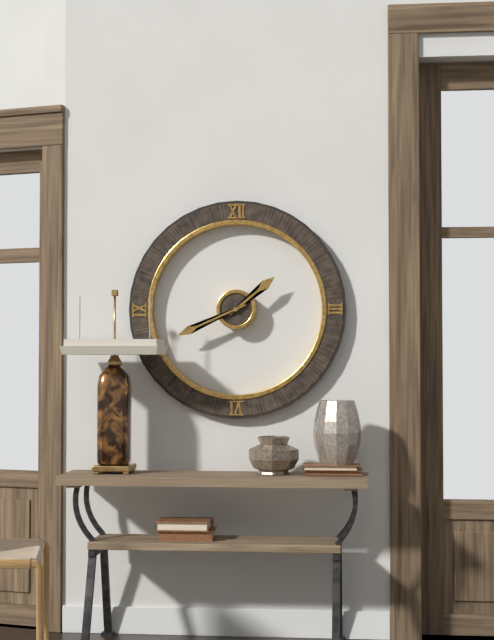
1:41
